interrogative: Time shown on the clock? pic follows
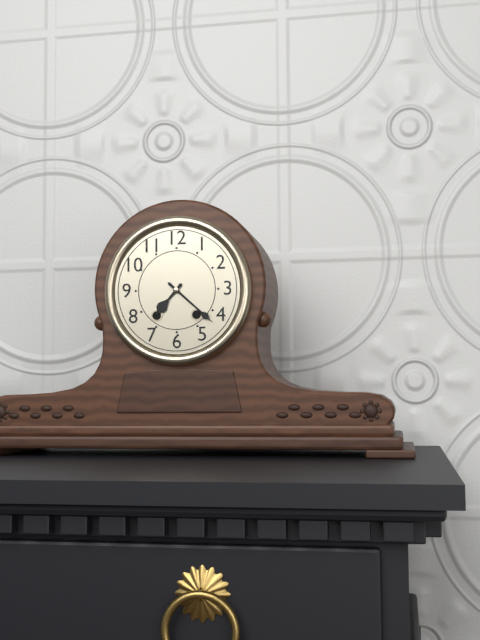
7:22
